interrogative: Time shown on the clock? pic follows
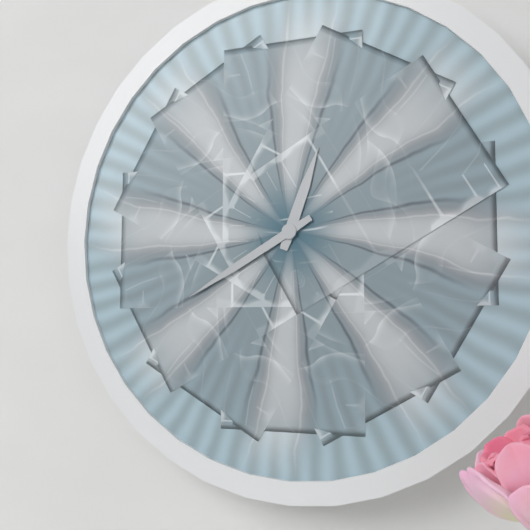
12:40
